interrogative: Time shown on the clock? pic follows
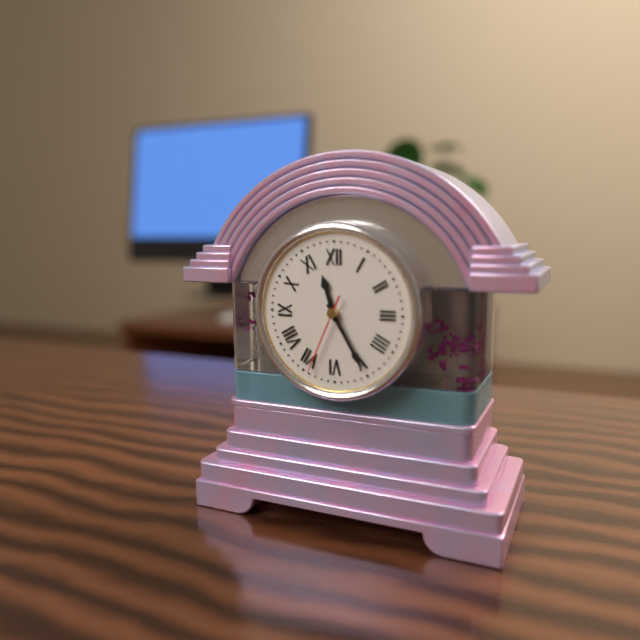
11:25:34
